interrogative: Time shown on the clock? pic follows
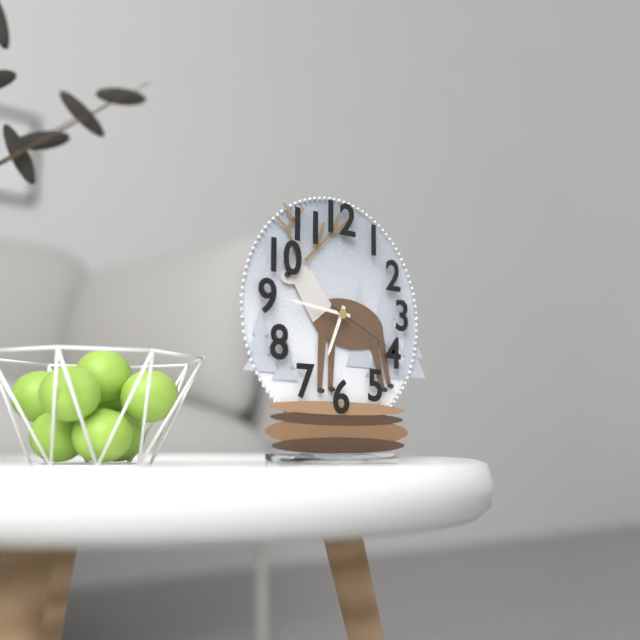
6:46:19
